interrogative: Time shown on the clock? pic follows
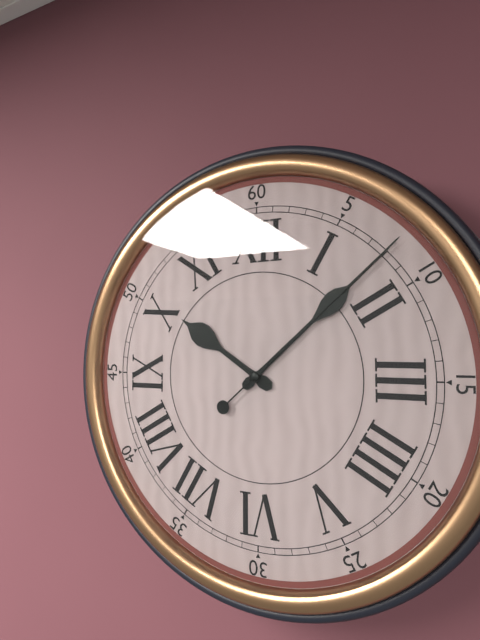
10:08:08
